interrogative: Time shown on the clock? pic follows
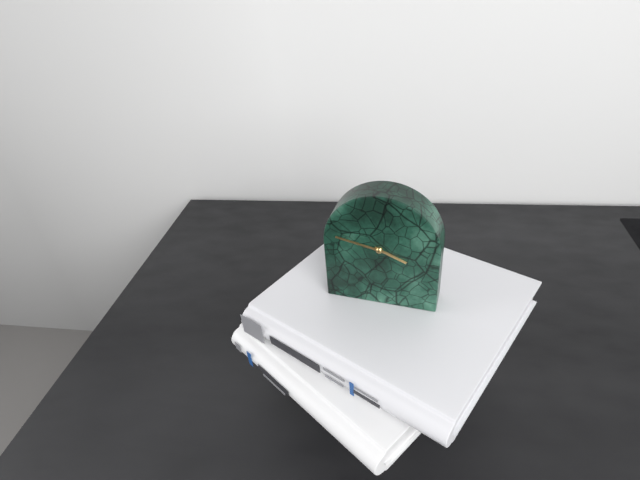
3:47
